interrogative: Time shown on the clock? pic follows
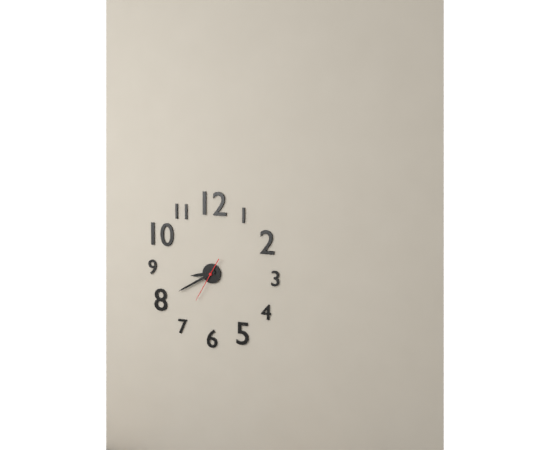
8:40
